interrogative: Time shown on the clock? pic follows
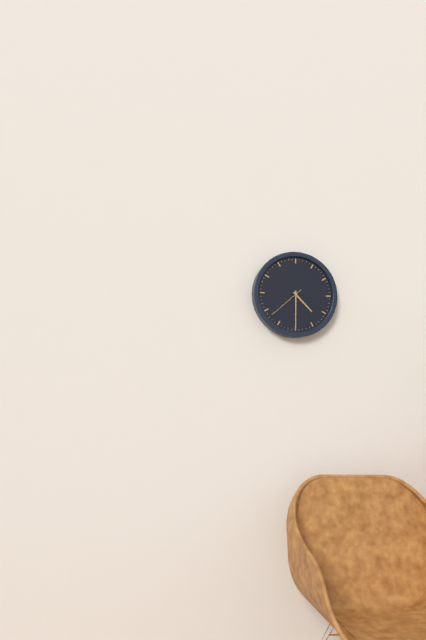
4:30
